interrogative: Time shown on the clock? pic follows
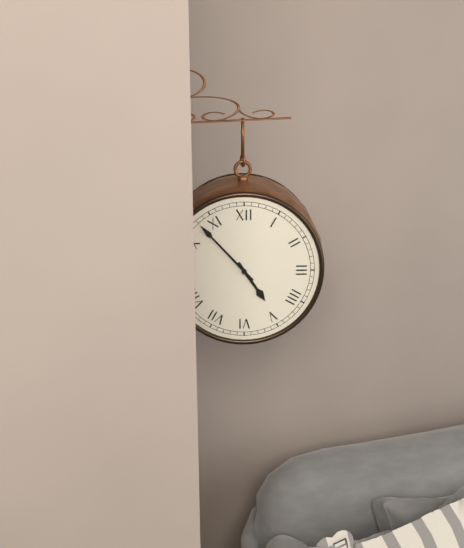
4:53
